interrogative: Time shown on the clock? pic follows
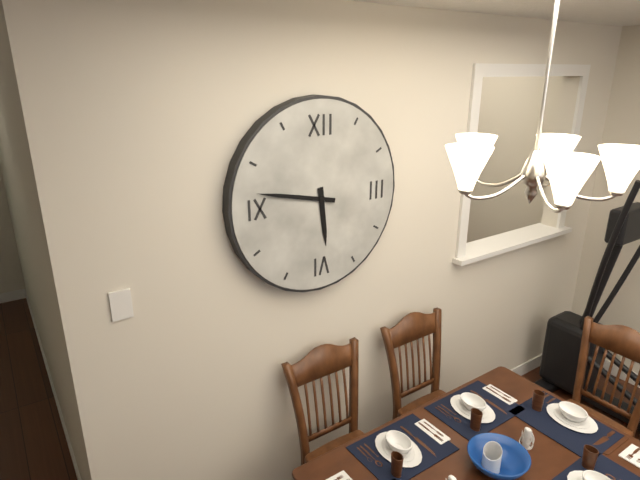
5:47
